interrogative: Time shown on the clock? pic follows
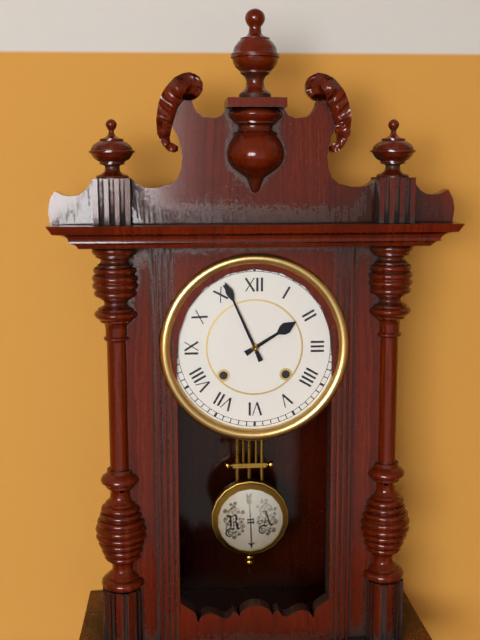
1:56
